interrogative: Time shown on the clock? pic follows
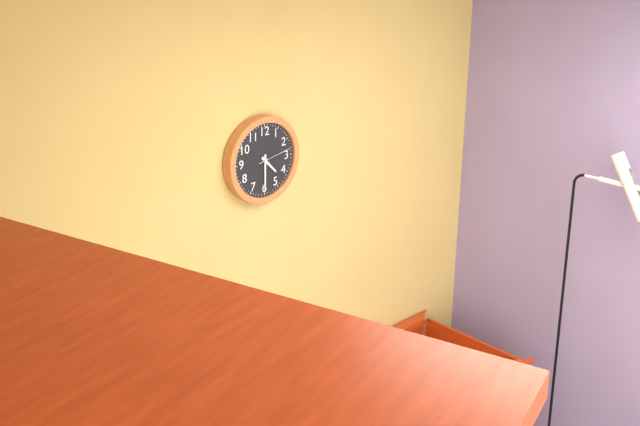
4:30
